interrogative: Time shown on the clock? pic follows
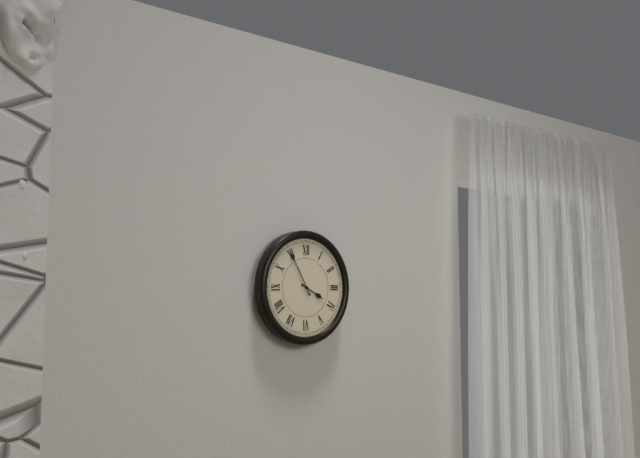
3:55
